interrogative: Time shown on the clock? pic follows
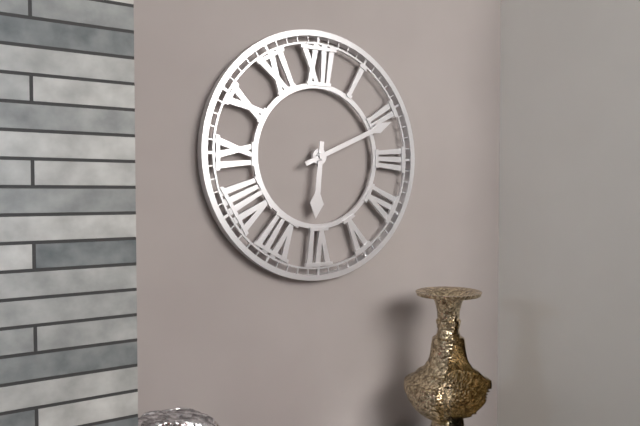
6:11
